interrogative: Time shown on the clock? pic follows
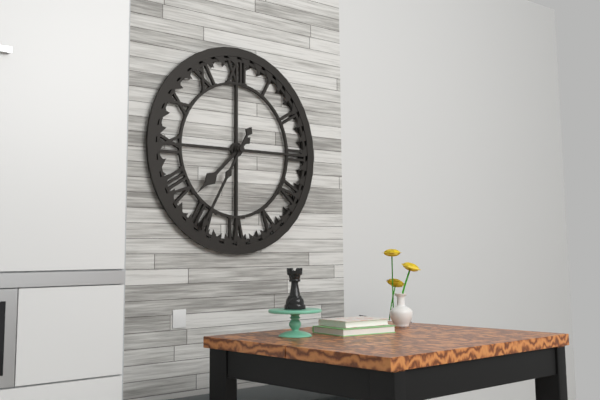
7:35
